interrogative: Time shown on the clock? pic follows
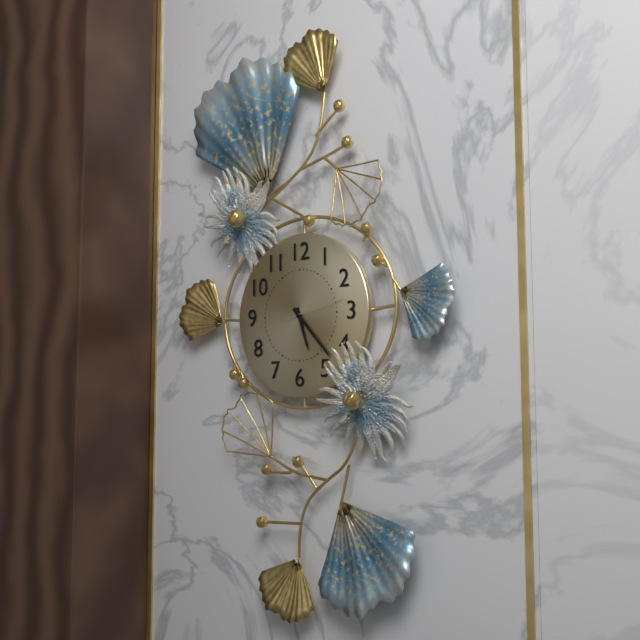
5:23:13
